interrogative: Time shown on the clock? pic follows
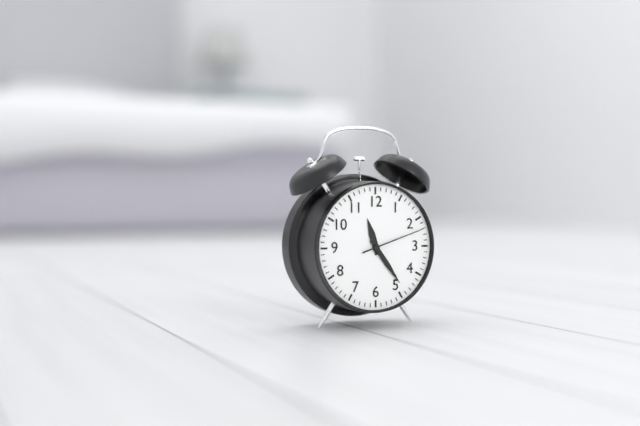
11:24:12
